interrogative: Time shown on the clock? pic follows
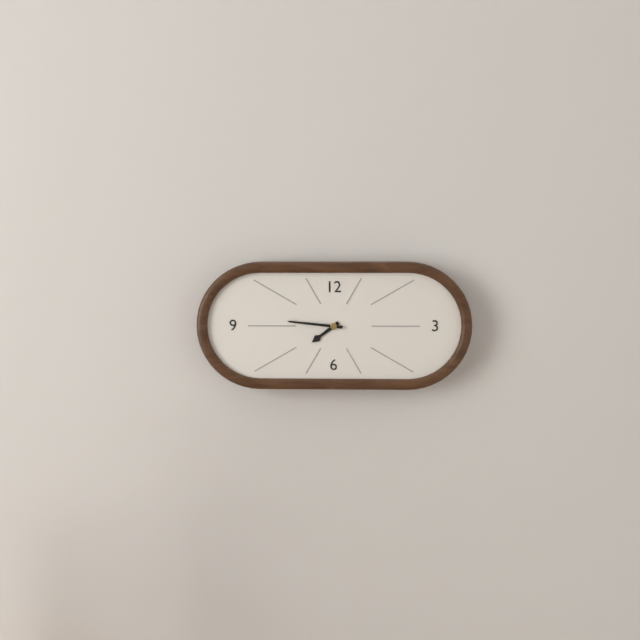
7:46
